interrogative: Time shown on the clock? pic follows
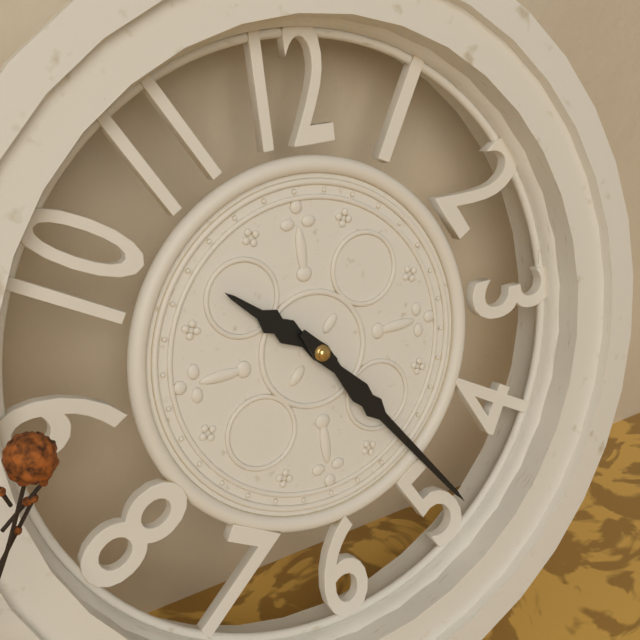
10:24
